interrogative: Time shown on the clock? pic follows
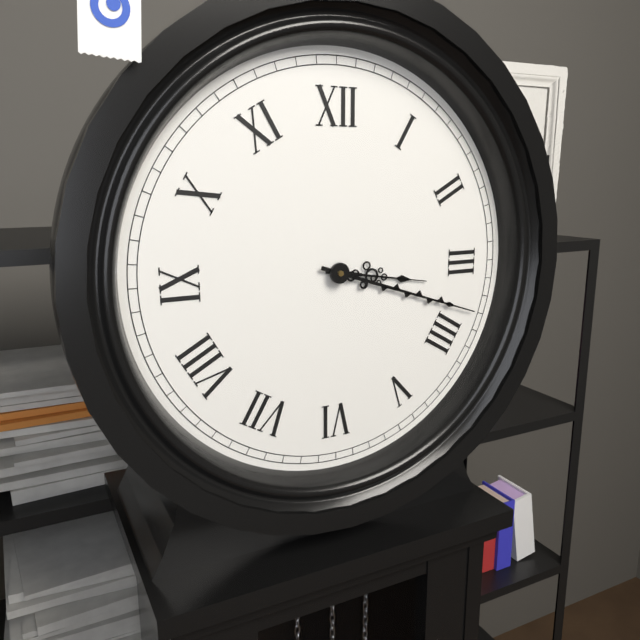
3:18
